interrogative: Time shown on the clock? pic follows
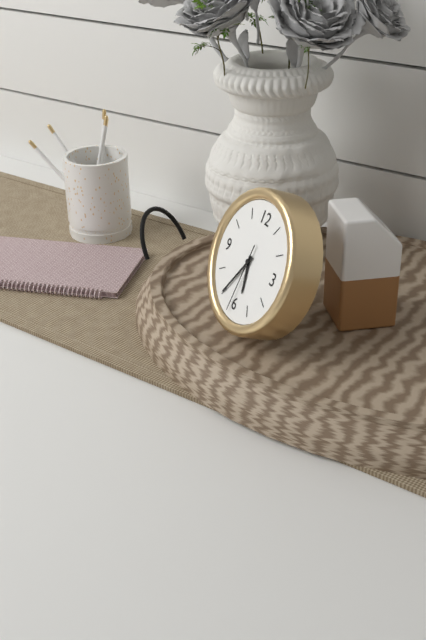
5:35:31
